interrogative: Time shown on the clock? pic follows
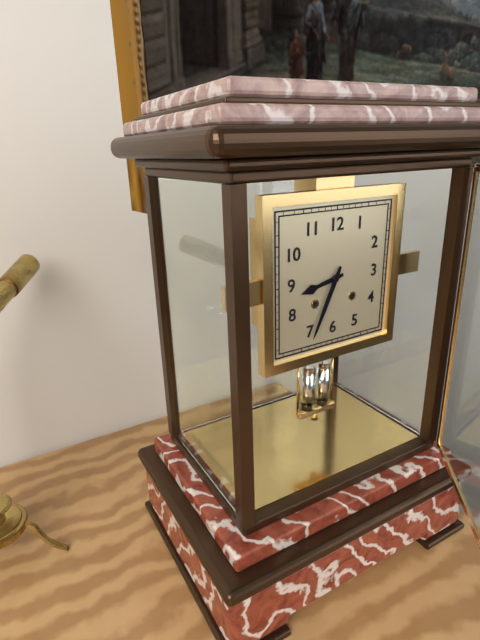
8:34
